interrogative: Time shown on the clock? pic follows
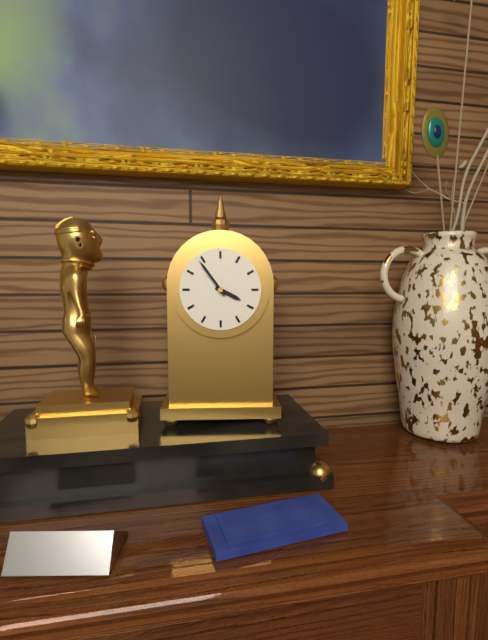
3:54
